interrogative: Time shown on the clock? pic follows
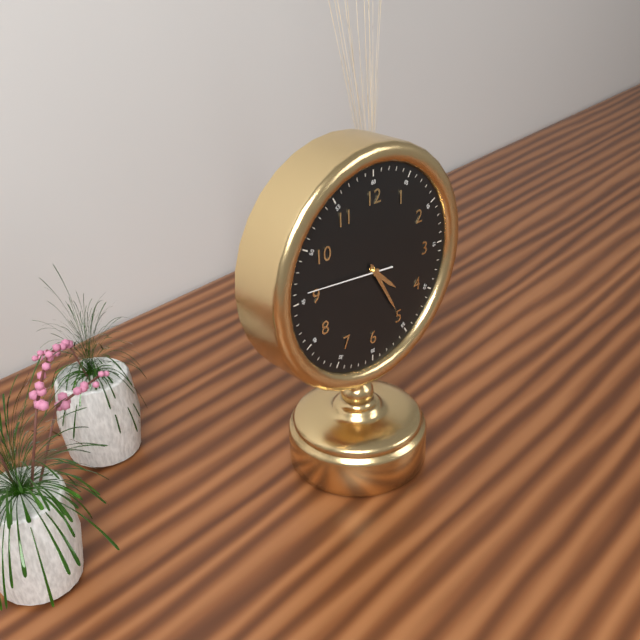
4:25:46
